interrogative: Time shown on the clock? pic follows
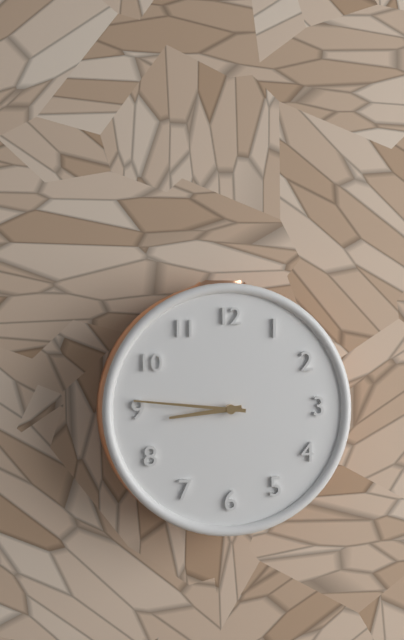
8:46
